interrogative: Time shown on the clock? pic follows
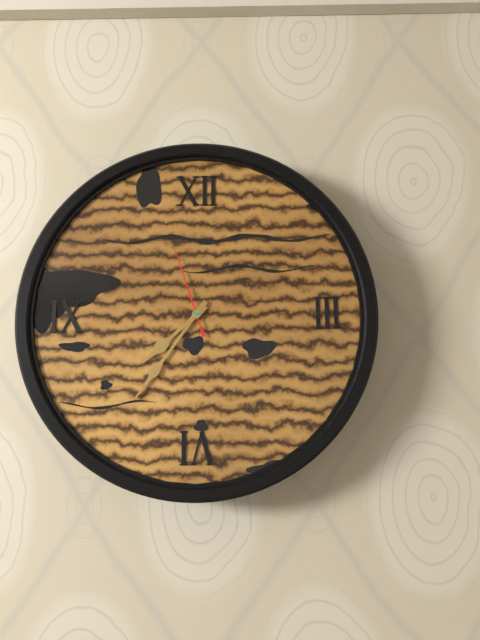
7:36:57
